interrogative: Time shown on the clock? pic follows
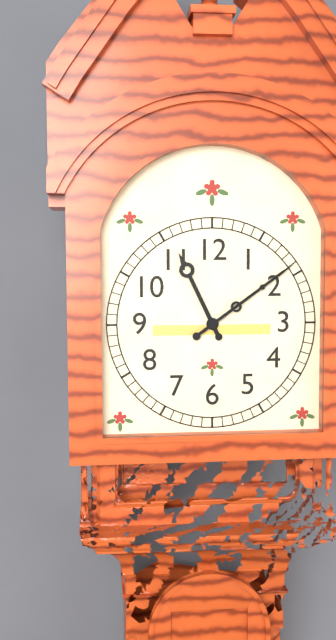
11:09
